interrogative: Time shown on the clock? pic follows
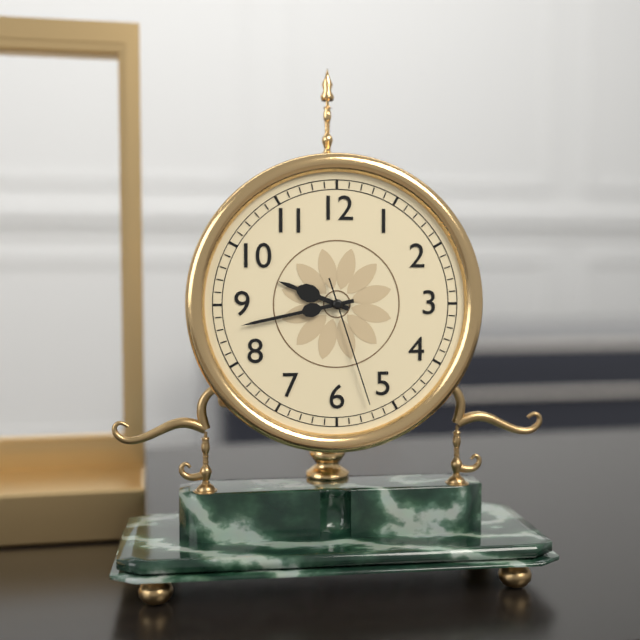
9:43:27
